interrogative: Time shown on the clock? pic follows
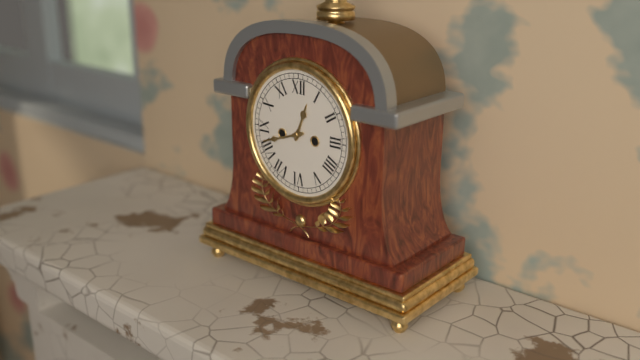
12:42
